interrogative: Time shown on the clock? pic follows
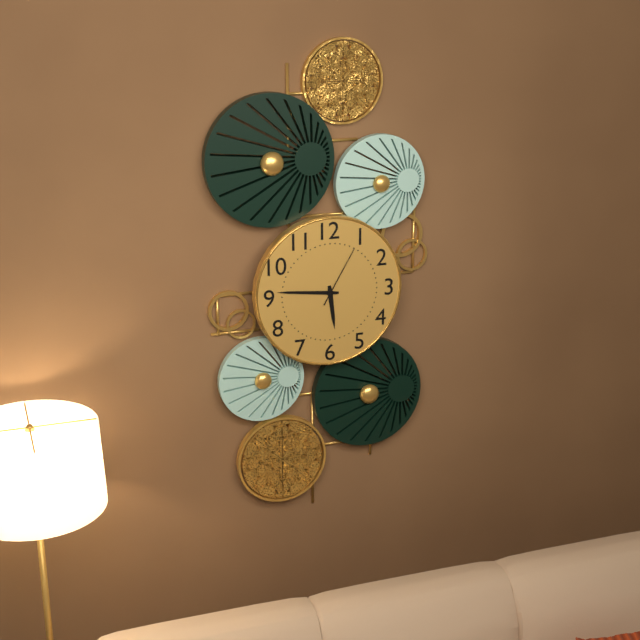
5:46:05
